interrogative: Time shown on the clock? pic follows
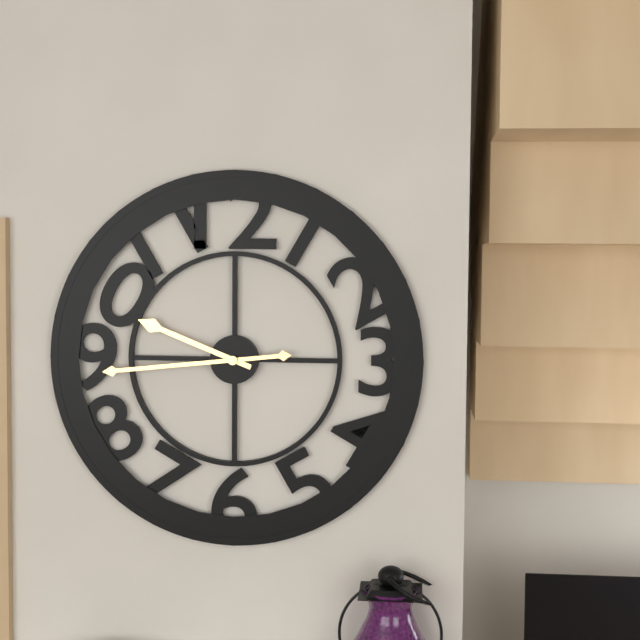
9:44
